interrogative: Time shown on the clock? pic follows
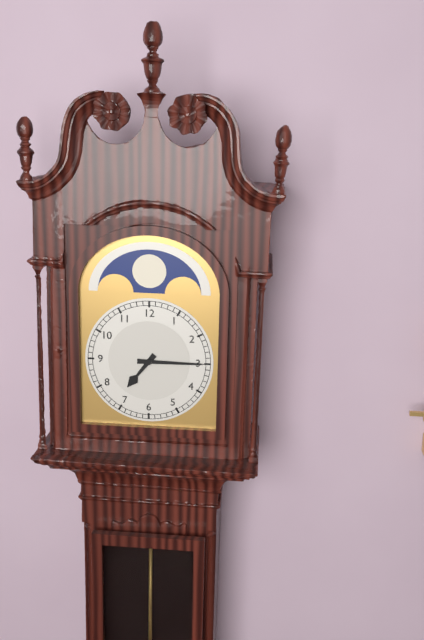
7:15
